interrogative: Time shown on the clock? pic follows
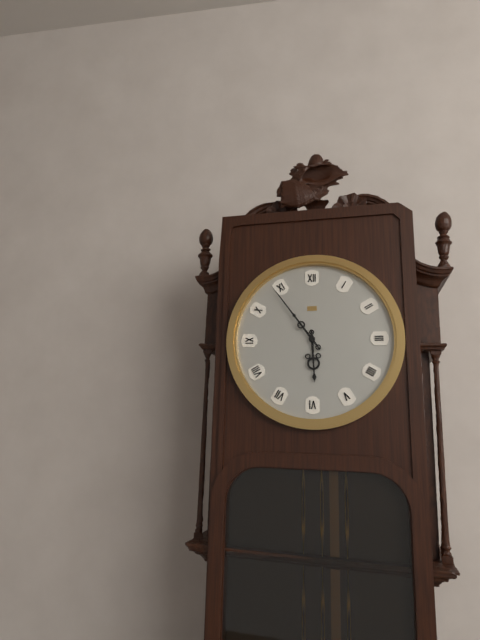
5:54
